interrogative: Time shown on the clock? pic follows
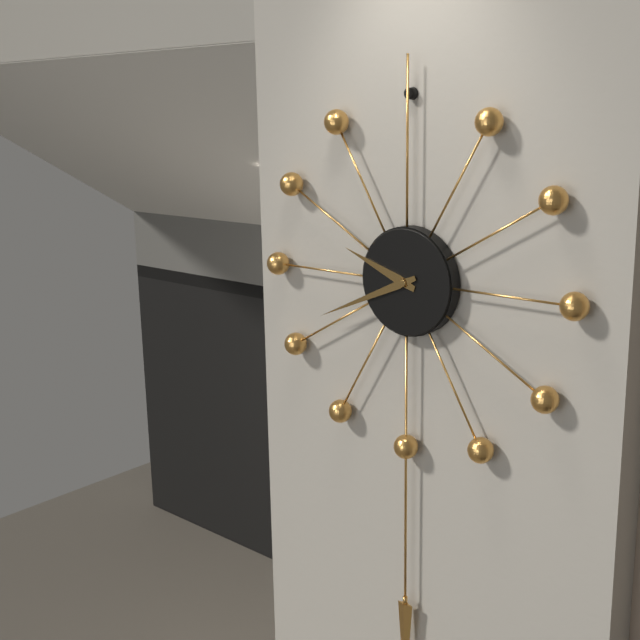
9:41
